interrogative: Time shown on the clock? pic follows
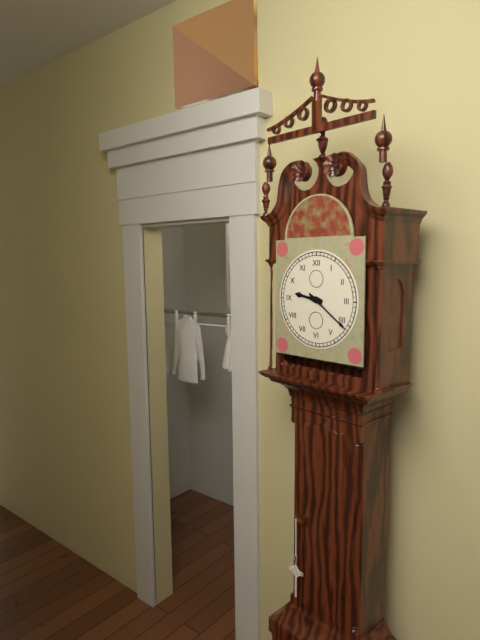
9:21
